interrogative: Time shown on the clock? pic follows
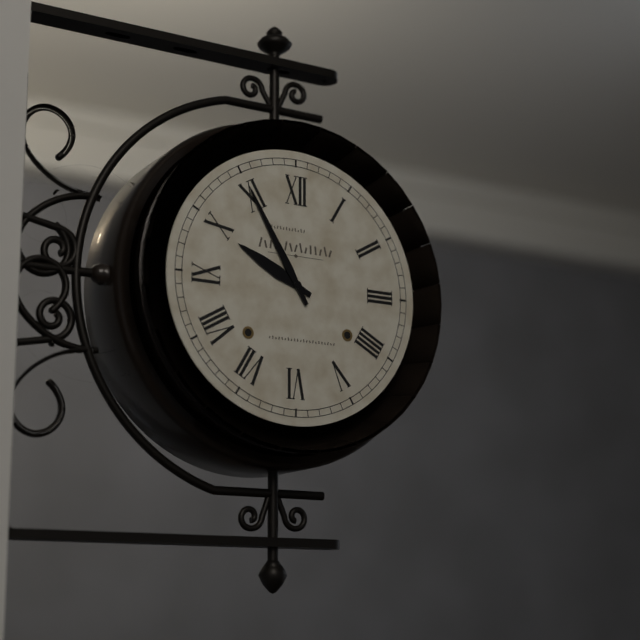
9:55
